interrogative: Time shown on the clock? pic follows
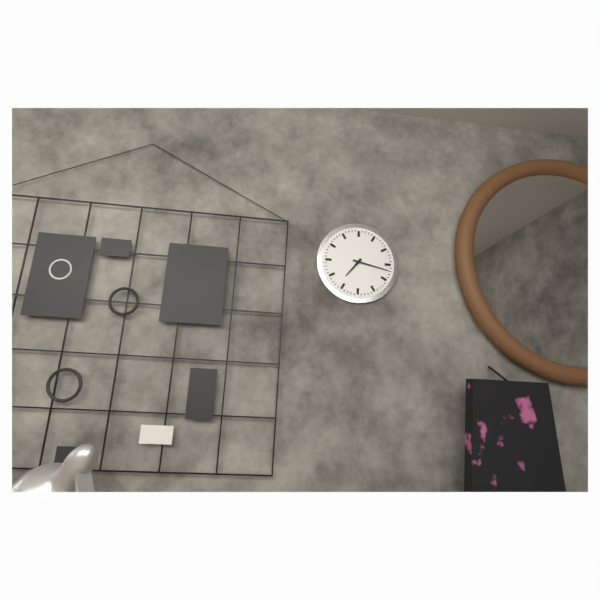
7:17
